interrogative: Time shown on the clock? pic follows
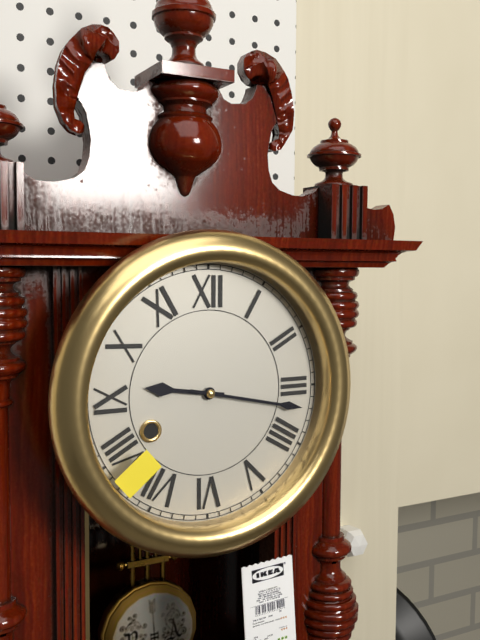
9:17
